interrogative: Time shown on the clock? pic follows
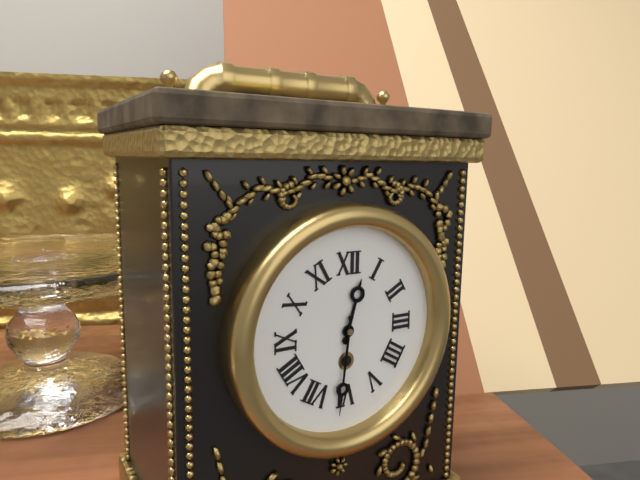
12:31
